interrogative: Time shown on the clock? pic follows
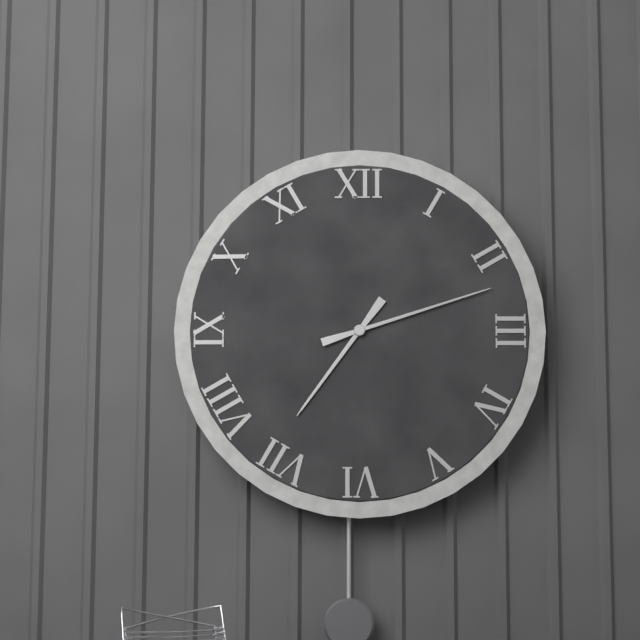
7:12
